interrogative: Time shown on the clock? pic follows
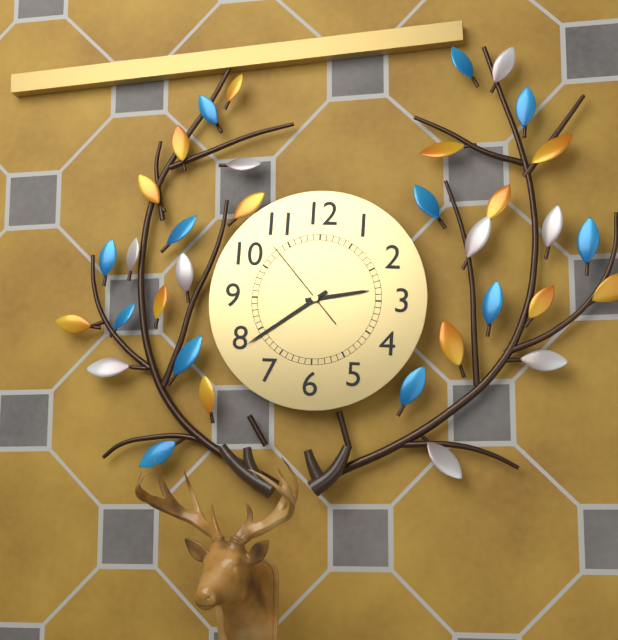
2:39:53
